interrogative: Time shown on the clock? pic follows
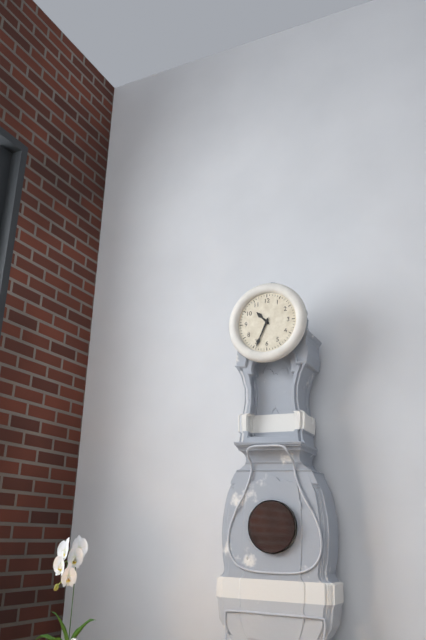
10:34
